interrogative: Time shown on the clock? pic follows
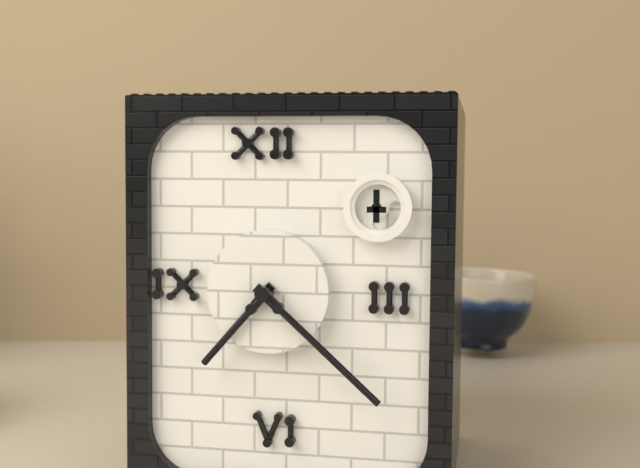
7:22
